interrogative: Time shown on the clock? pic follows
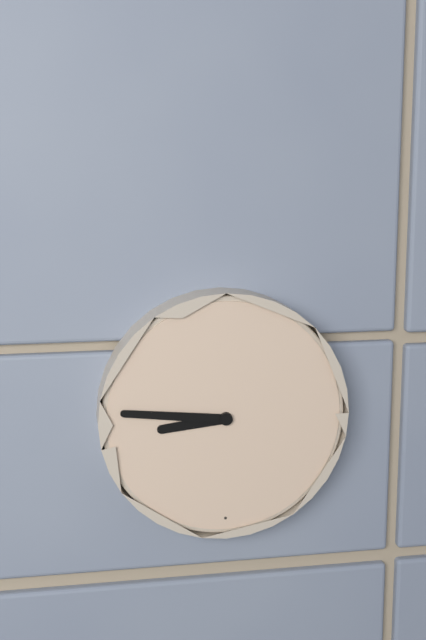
8:46
